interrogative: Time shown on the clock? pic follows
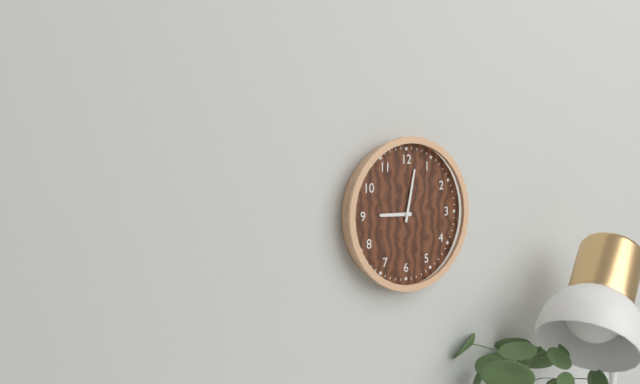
9:02
